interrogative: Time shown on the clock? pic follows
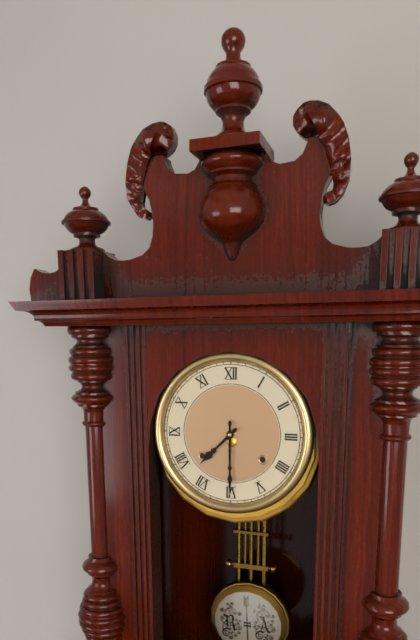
7:30
